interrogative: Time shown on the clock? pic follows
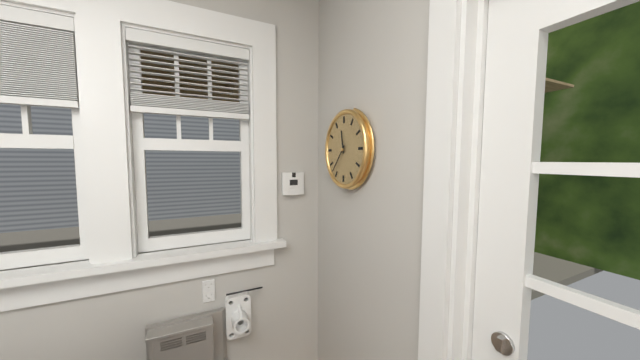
11:37
